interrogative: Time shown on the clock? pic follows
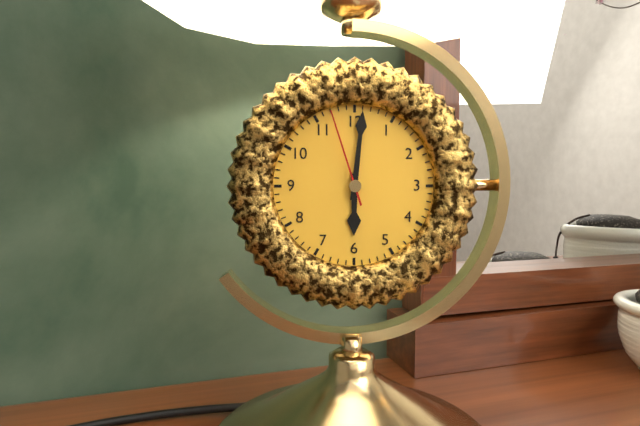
6:01:57
